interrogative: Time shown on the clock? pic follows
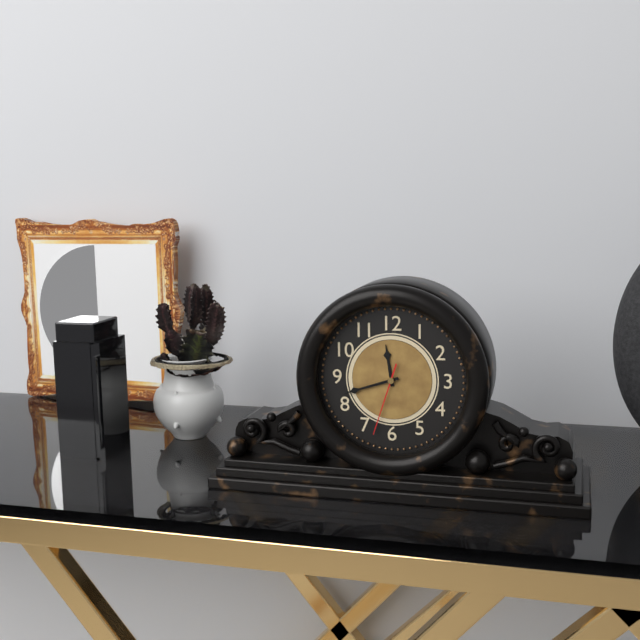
11:42:33
